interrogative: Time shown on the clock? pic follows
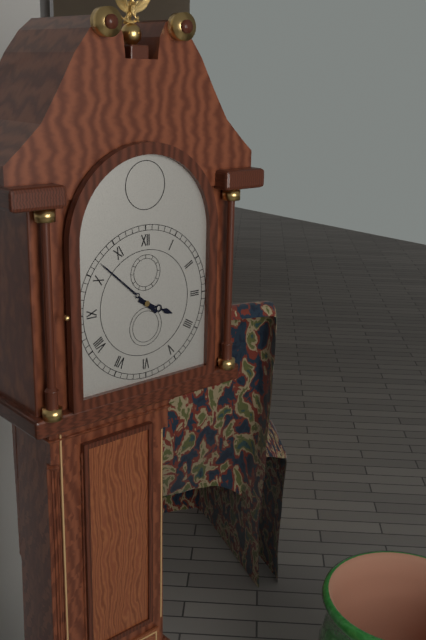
3:52
